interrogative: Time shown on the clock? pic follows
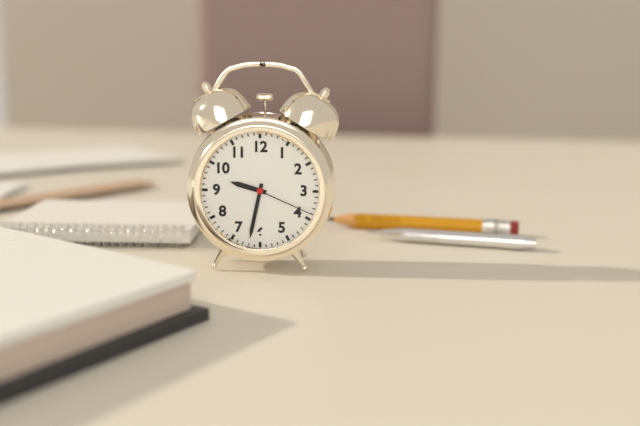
9:32:19
